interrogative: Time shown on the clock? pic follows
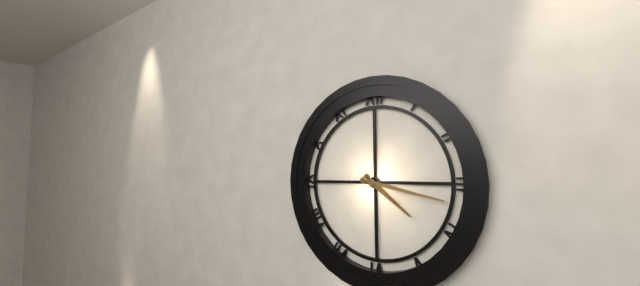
4:17
